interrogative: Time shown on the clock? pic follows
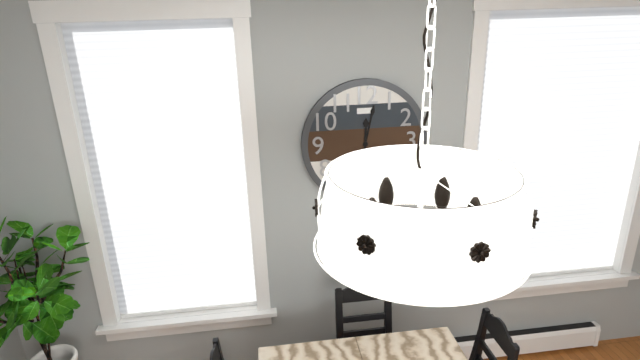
12:02
